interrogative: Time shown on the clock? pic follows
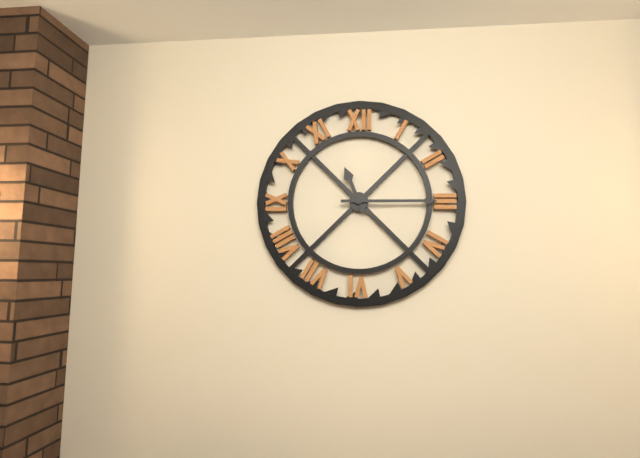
11:15
